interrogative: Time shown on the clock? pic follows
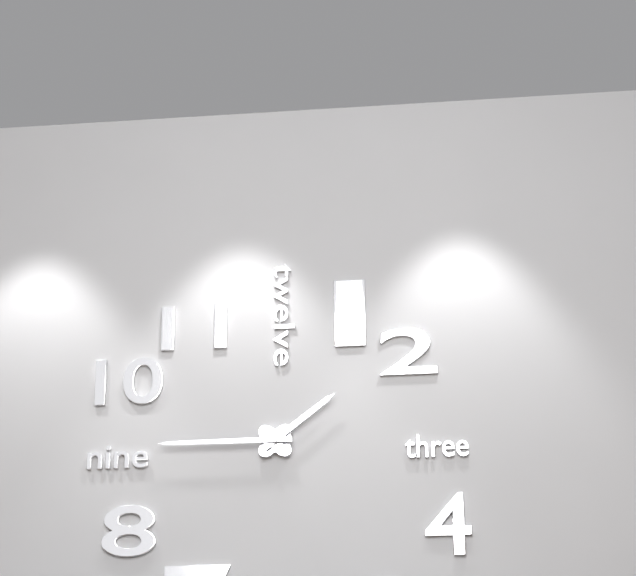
1:45
